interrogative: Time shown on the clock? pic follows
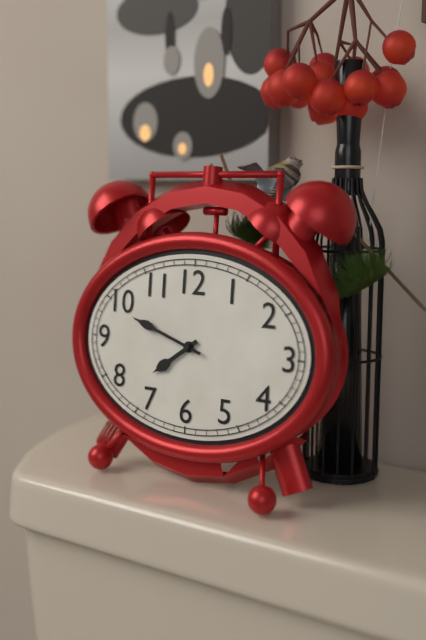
7:48
